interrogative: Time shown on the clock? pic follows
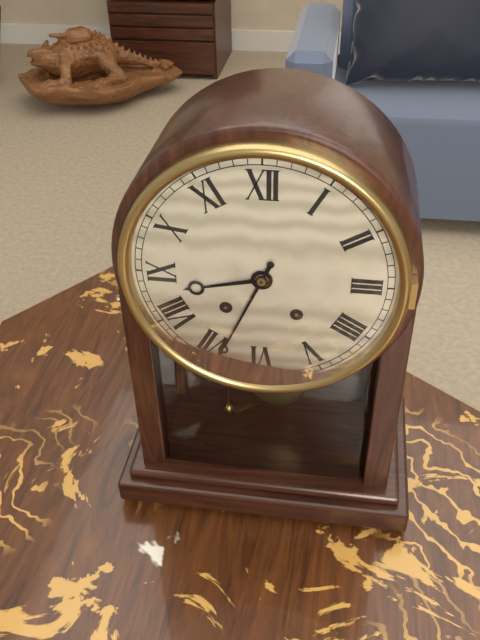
8:34
